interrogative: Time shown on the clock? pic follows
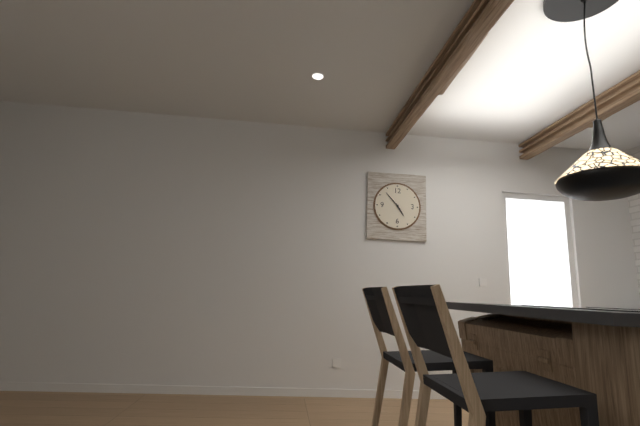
4:53
